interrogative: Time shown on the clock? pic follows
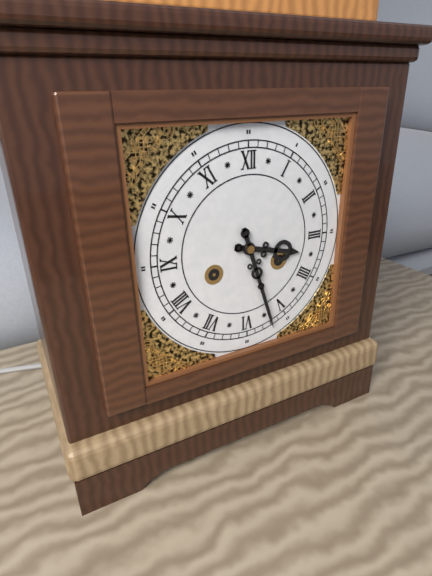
3:27
